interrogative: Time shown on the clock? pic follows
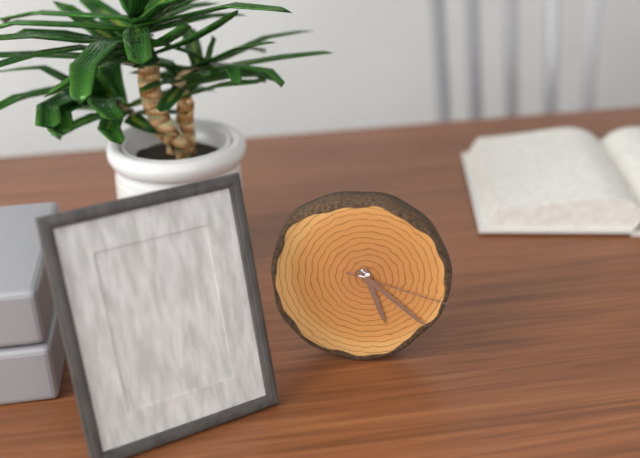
5:22:18
